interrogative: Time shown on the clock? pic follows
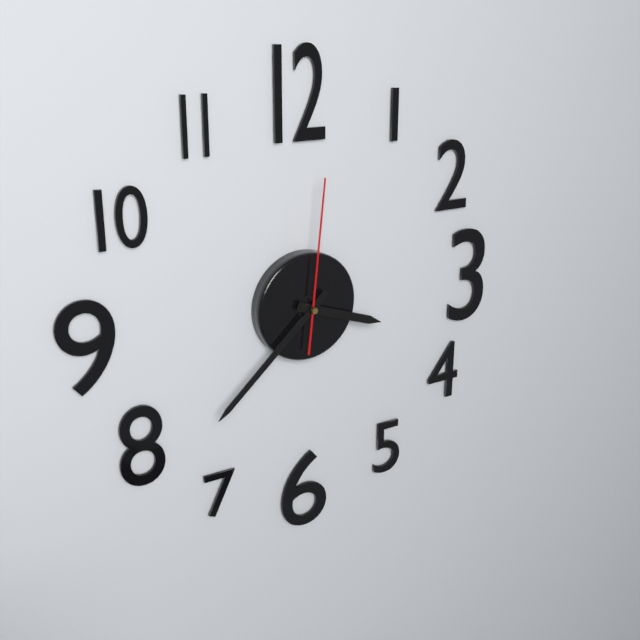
3:38:01
